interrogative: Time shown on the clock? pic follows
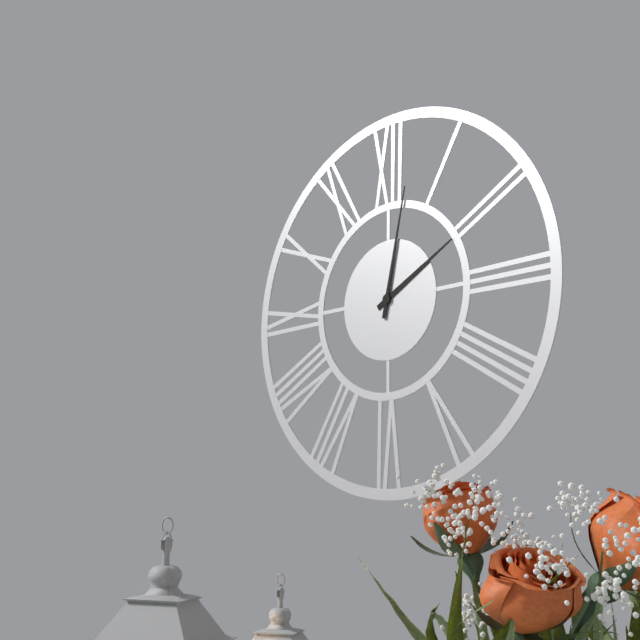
2:02
